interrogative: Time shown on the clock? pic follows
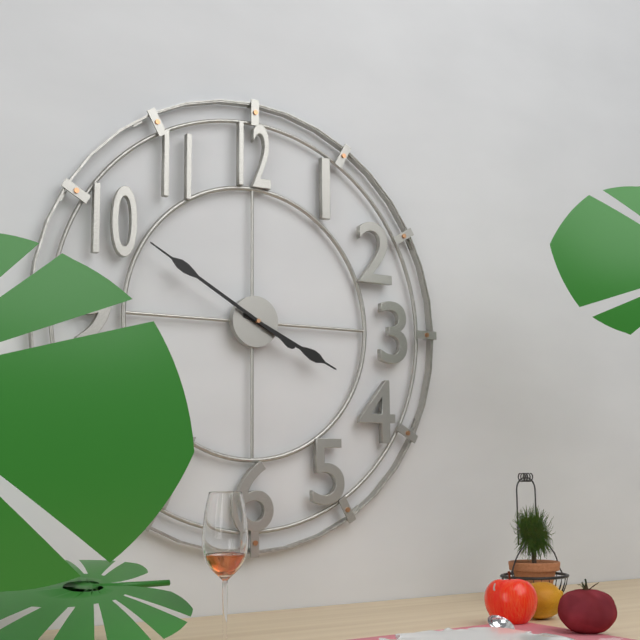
3:50
